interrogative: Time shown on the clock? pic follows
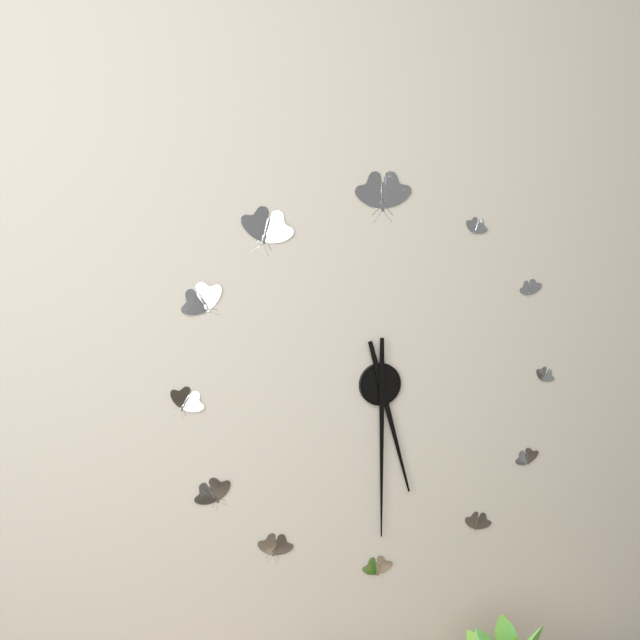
5:30
